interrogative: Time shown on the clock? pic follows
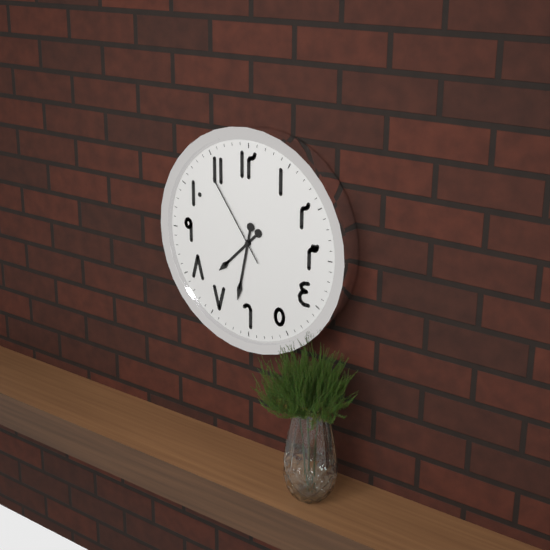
7:32:54
